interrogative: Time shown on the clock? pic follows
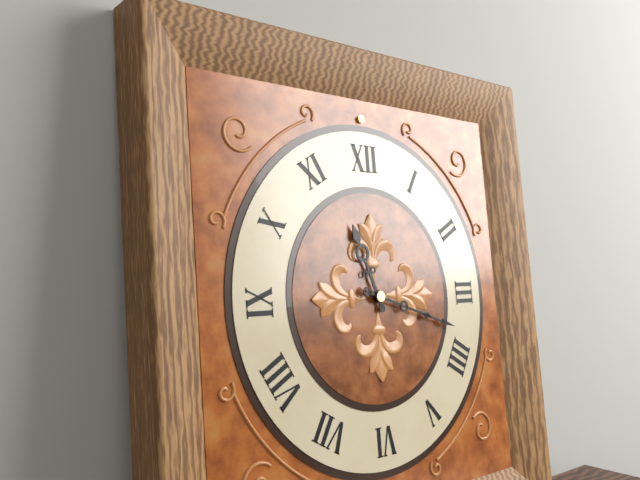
11:18
